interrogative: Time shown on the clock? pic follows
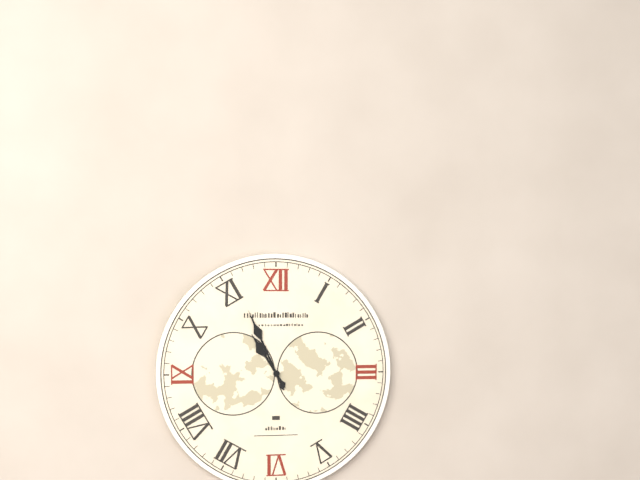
10:56
